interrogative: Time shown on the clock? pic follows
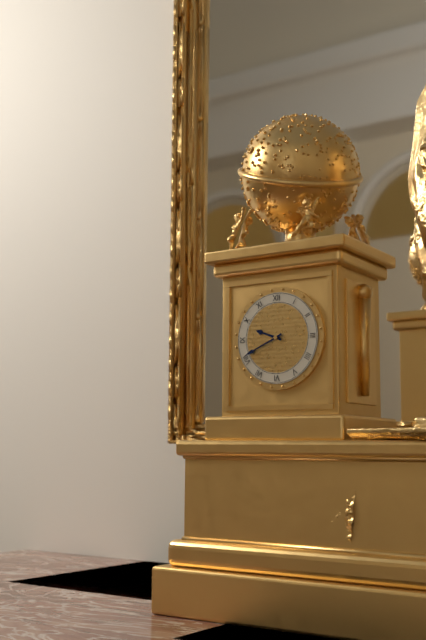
9:41
